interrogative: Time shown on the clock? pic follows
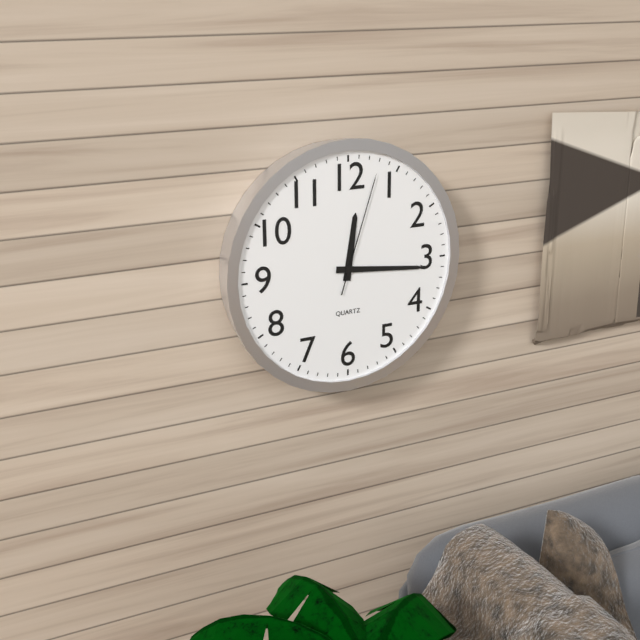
12:16:03
